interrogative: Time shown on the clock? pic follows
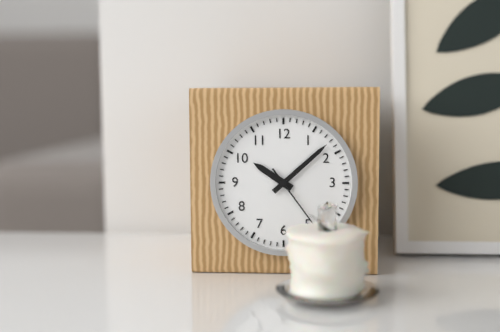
10:08:24
